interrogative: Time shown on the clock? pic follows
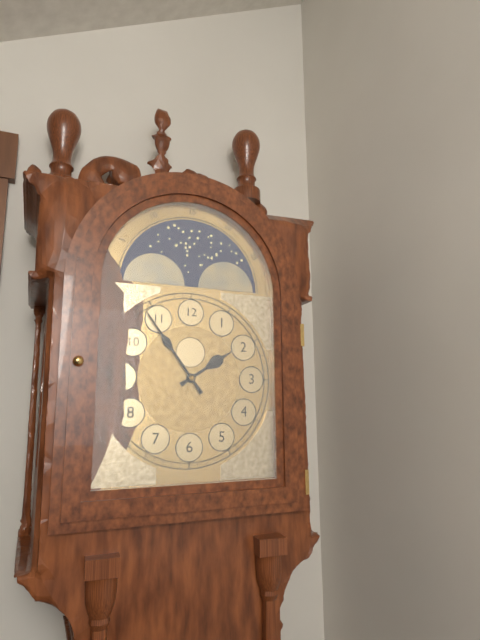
1:54
